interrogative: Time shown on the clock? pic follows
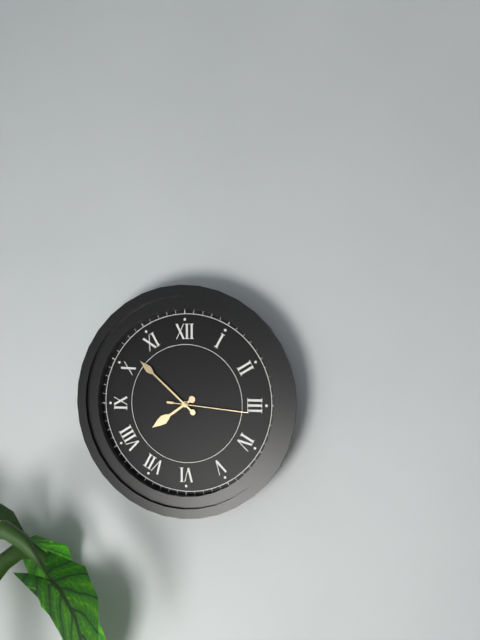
7:52:16
